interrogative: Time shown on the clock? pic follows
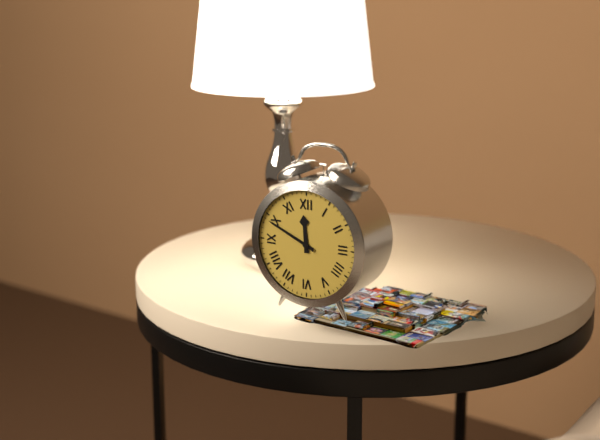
11:49
